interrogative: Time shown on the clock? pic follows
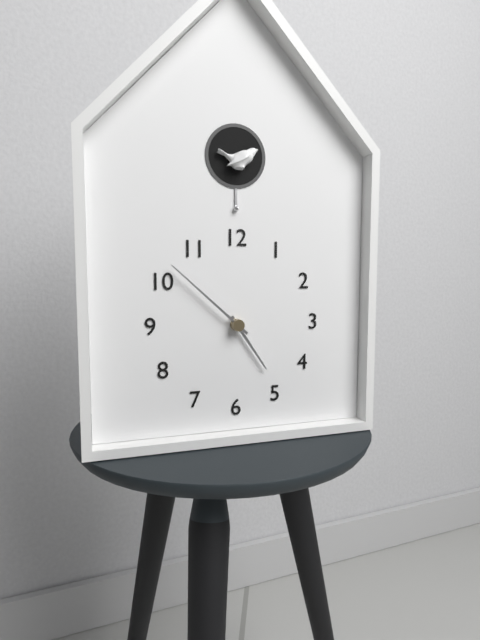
4:52
